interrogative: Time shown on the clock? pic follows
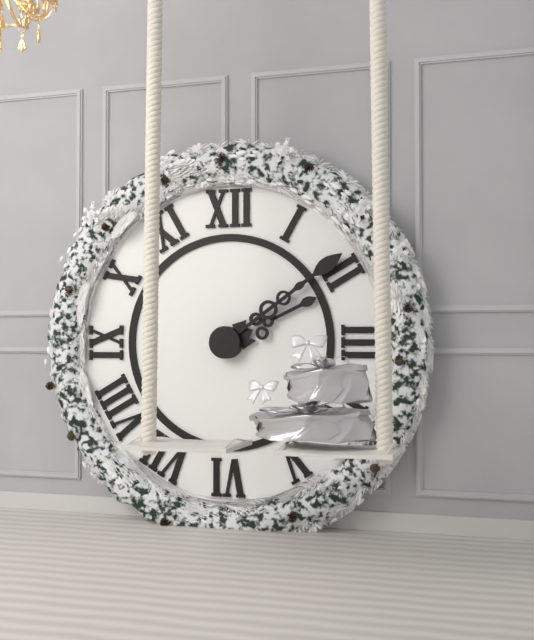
2:09
